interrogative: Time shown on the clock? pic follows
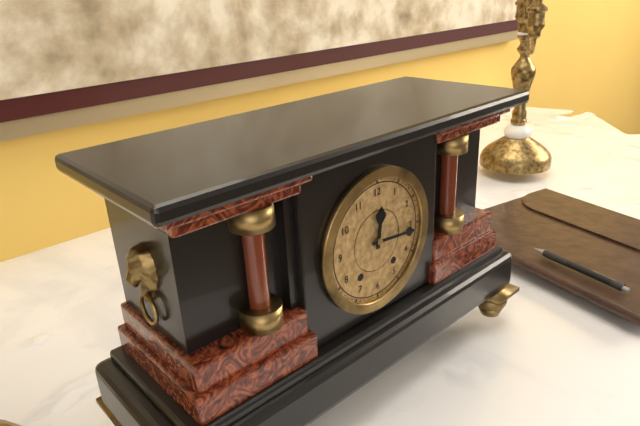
12:16
